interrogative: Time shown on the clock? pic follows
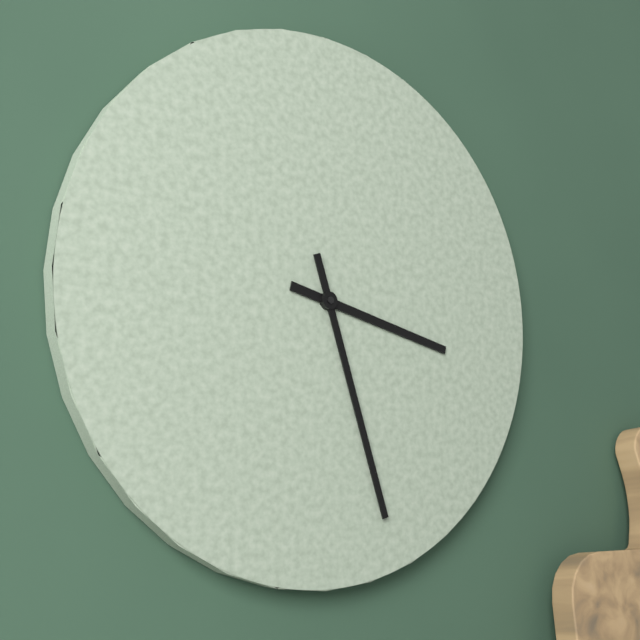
3:27
